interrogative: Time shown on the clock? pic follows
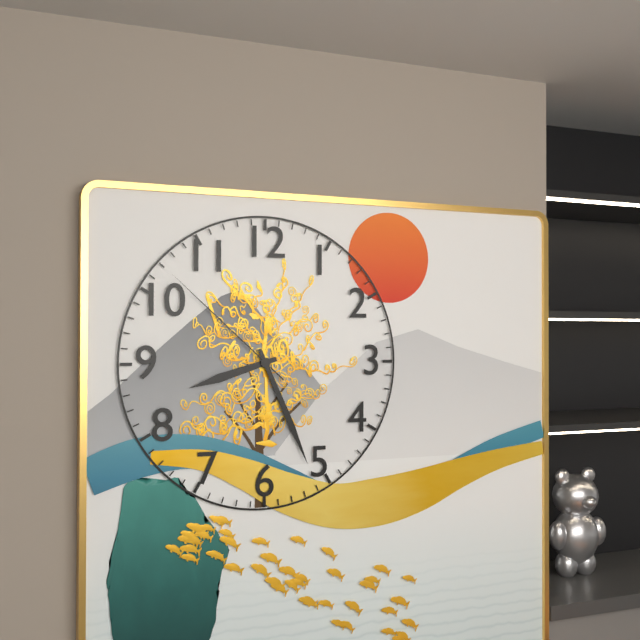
8:26:52
